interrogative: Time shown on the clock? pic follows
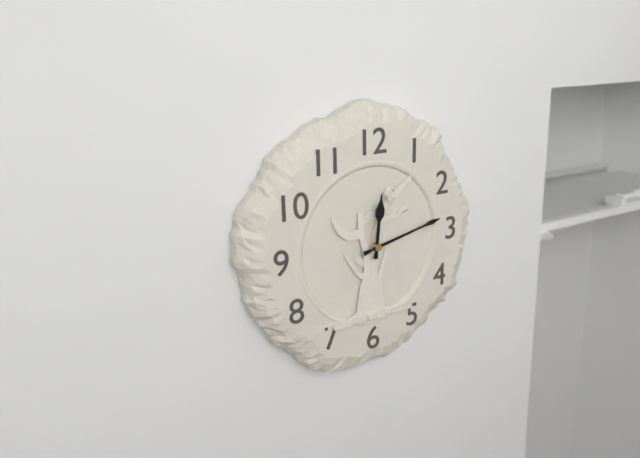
12:13
